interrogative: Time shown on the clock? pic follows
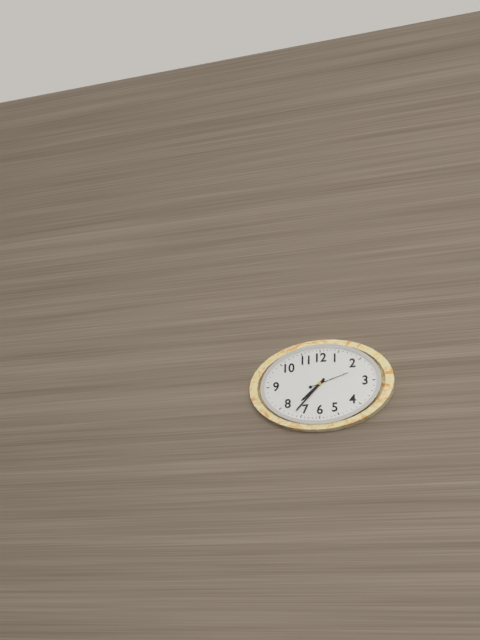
7:37
